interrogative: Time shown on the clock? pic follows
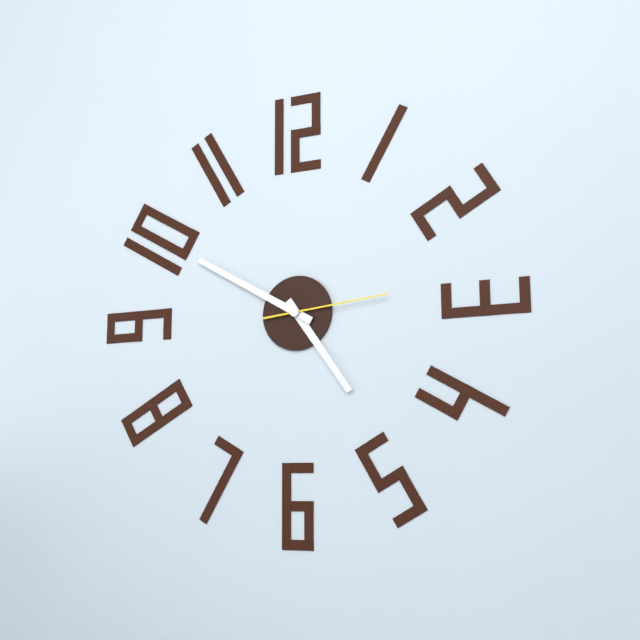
4:50:14
